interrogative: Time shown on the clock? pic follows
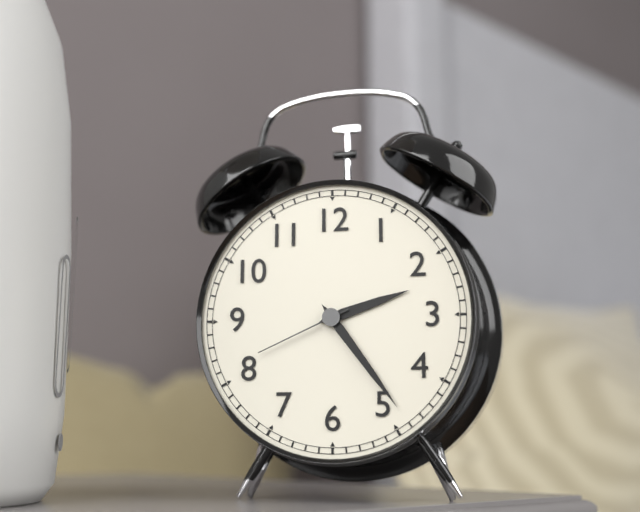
2:24:41
